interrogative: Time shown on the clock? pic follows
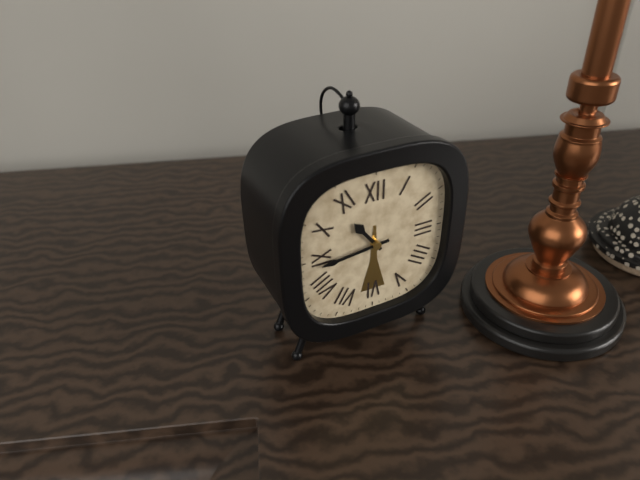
10:44
